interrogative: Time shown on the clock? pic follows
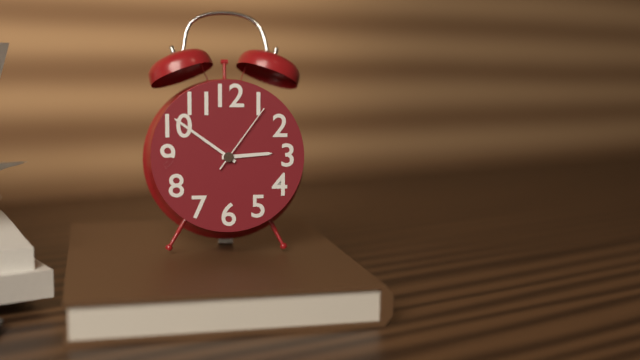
2:51:06
